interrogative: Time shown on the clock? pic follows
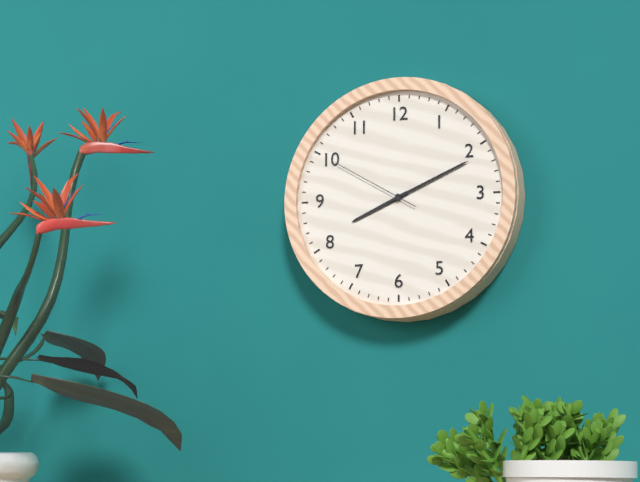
8:11:50
